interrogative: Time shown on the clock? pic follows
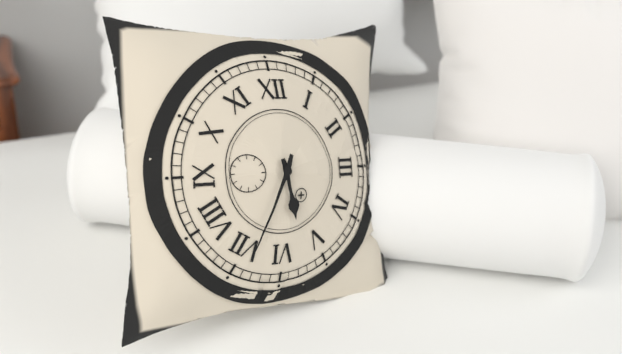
5:34
